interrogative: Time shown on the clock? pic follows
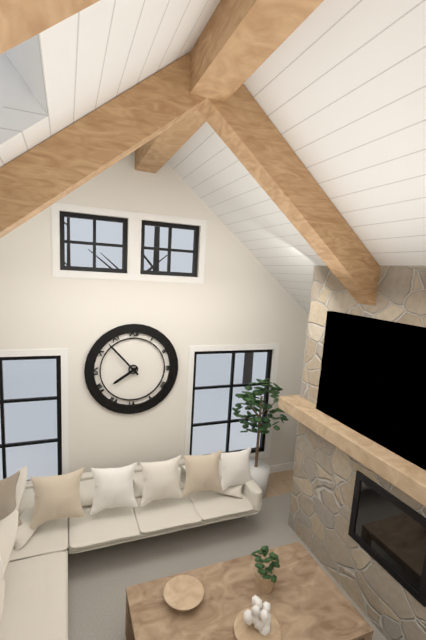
7:53
